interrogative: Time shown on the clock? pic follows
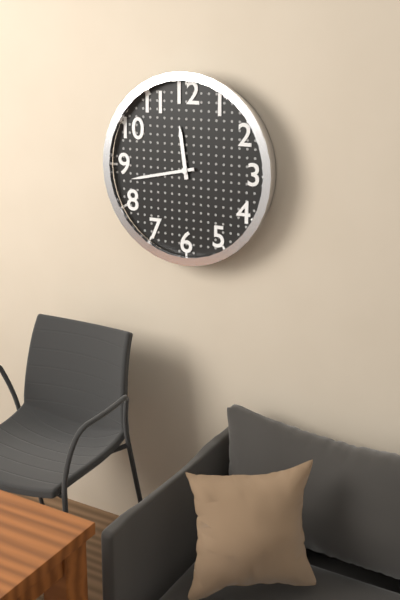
11:43
